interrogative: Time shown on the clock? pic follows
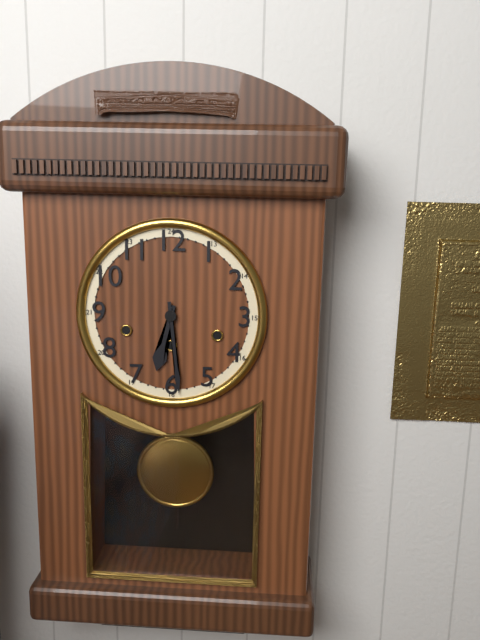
6:29
